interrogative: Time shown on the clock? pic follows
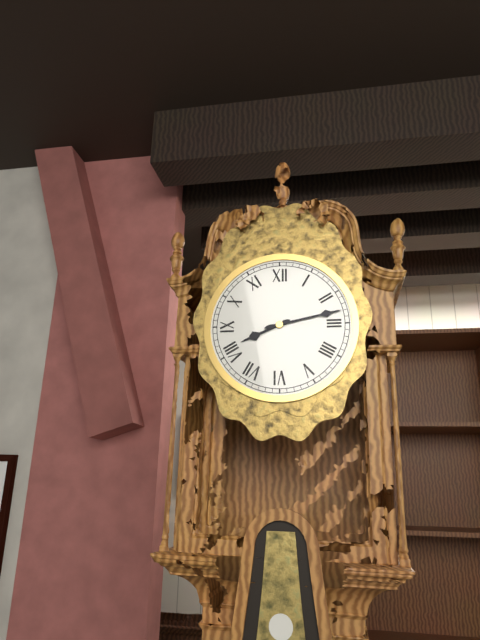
8:13
